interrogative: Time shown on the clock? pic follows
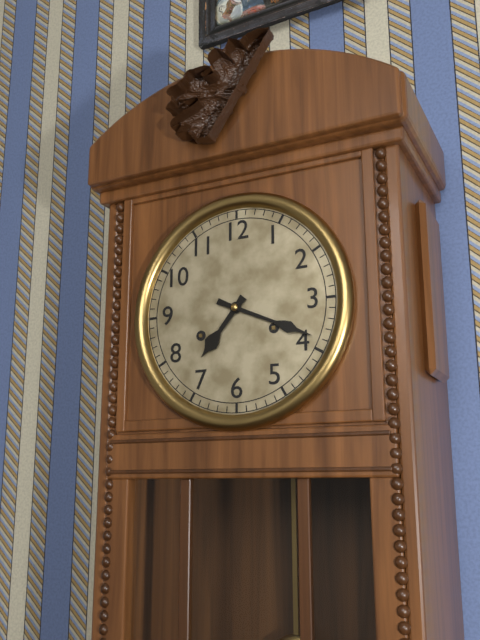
7:19
